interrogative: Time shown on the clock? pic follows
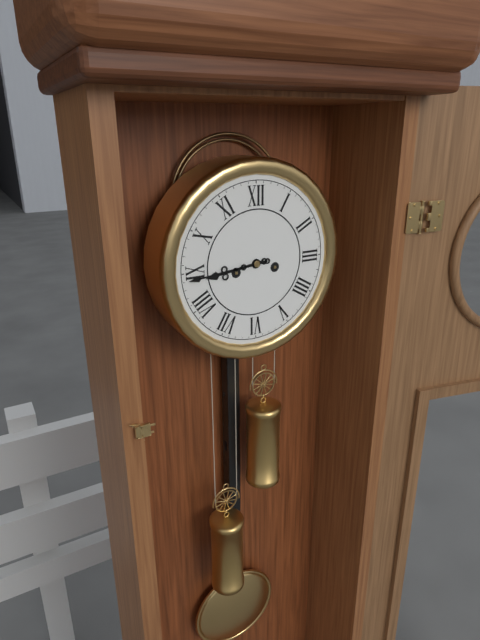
8:44
